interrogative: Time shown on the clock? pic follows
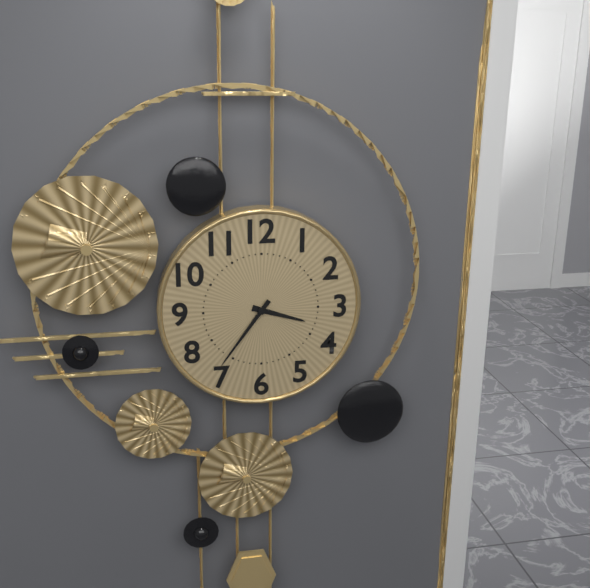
3:36
